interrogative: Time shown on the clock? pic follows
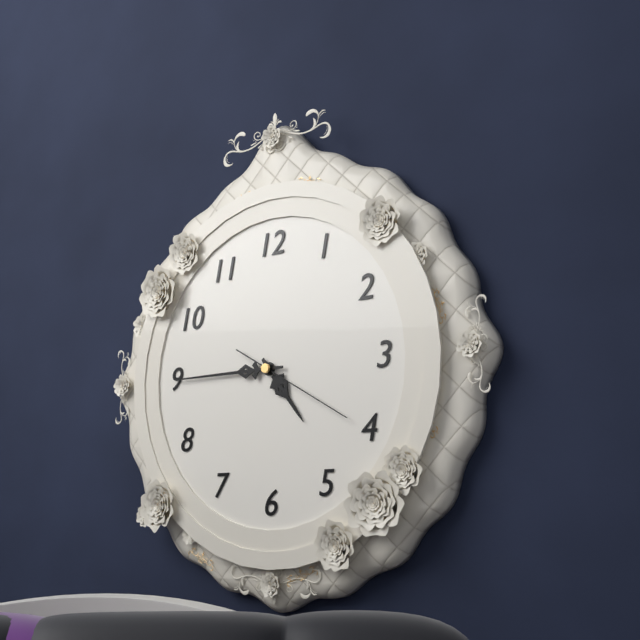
4:45:20
